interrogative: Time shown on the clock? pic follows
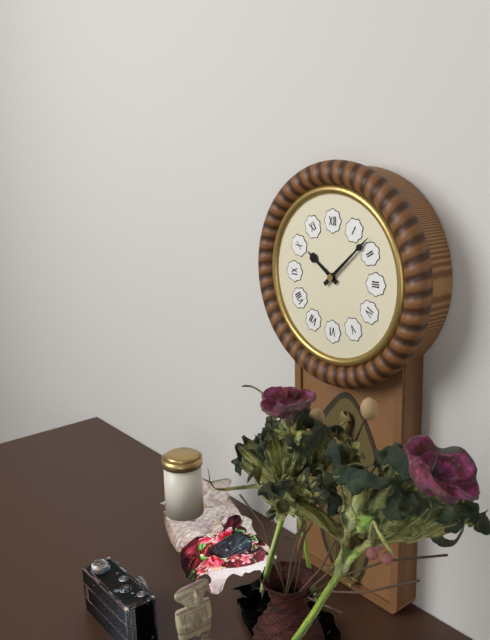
10:08
